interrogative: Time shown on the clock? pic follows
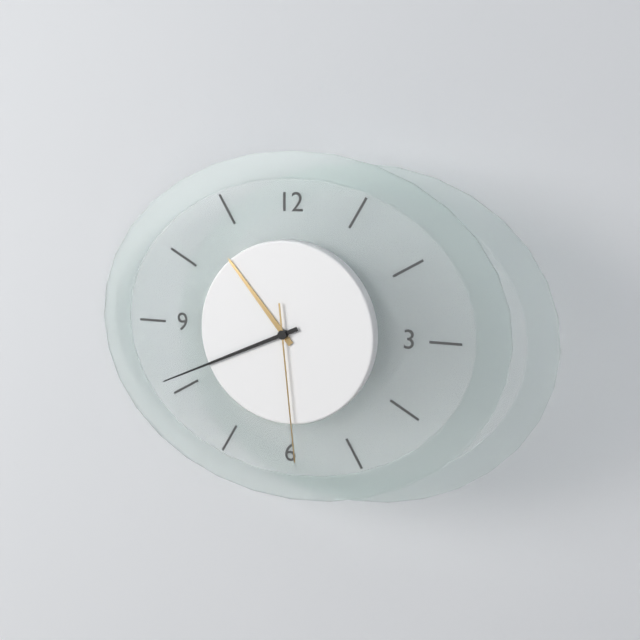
10:41:29
